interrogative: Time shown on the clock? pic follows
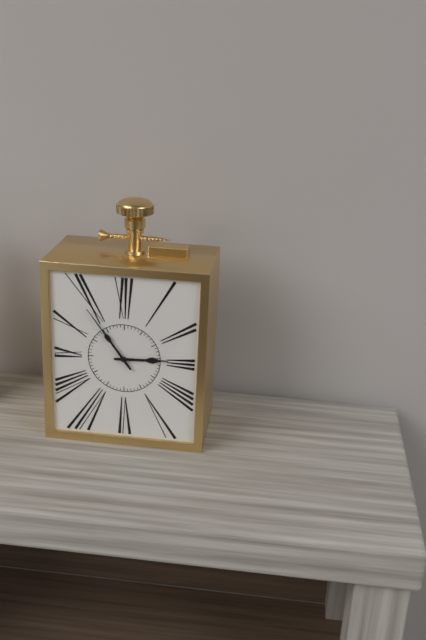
2:54
